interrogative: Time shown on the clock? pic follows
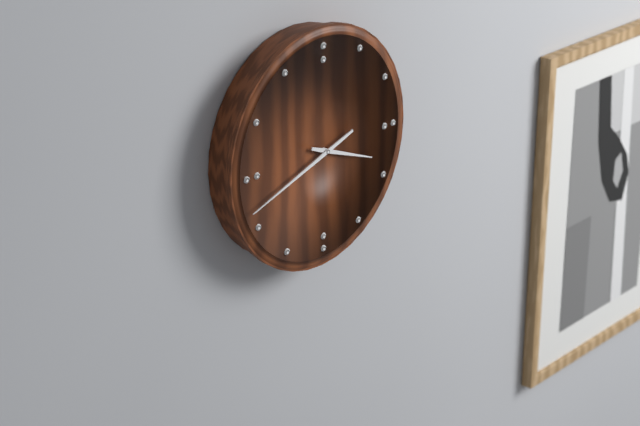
3:42
